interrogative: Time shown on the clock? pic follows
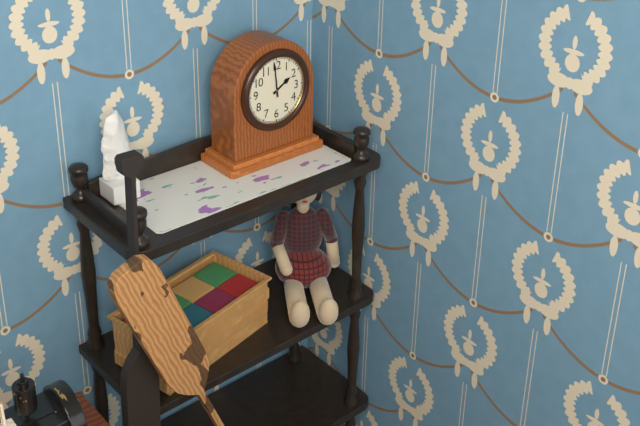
1:59
